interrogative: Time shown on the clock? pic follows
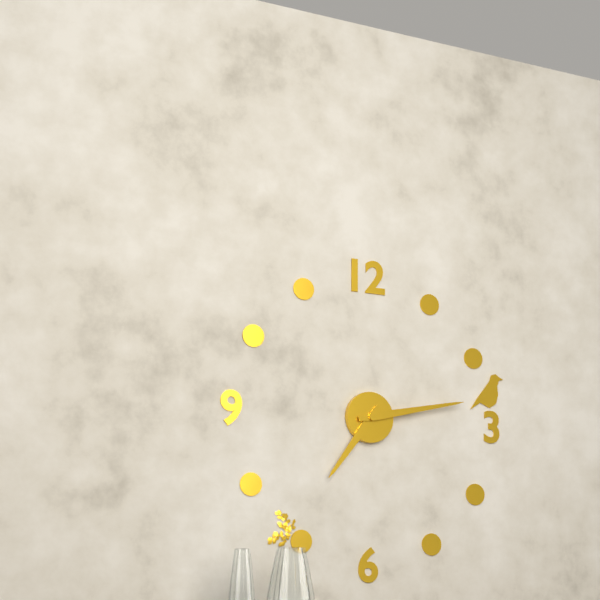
7:13
